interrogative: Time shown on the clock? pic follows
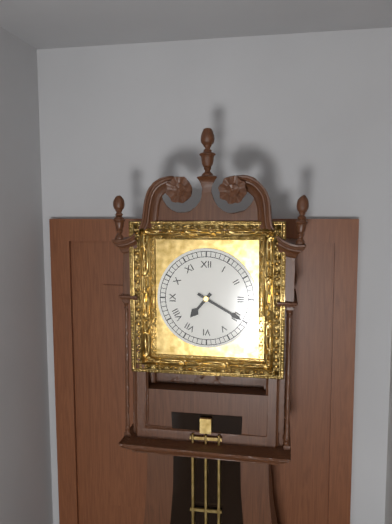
7:20
